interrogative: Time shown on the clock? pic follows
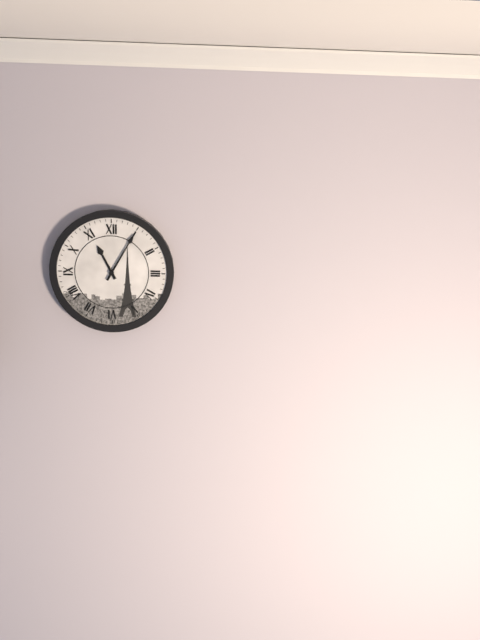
11:05
